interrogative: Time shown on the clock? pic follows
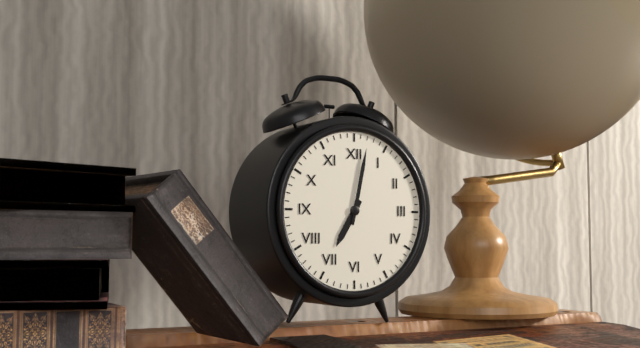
7:02
